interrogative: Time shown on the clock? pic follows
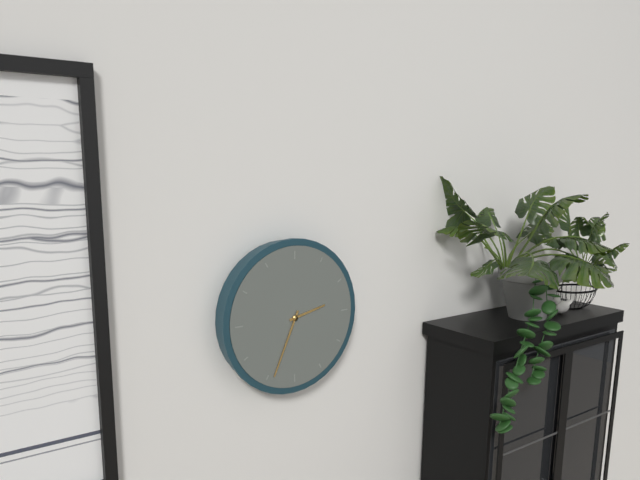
2:34
